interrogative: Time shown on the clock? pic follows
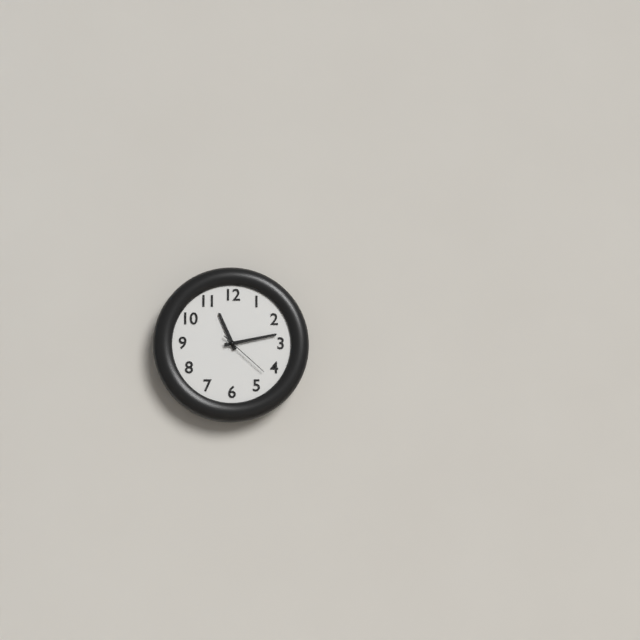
11:13:22
